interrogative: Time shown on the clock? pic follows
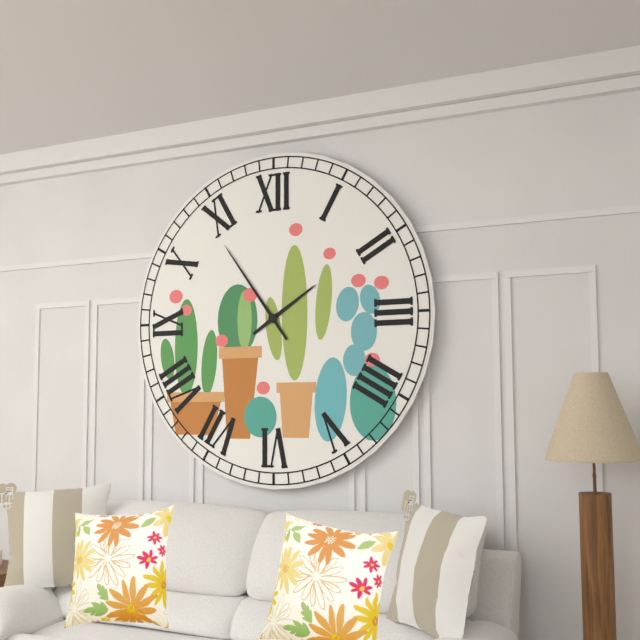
1:54
